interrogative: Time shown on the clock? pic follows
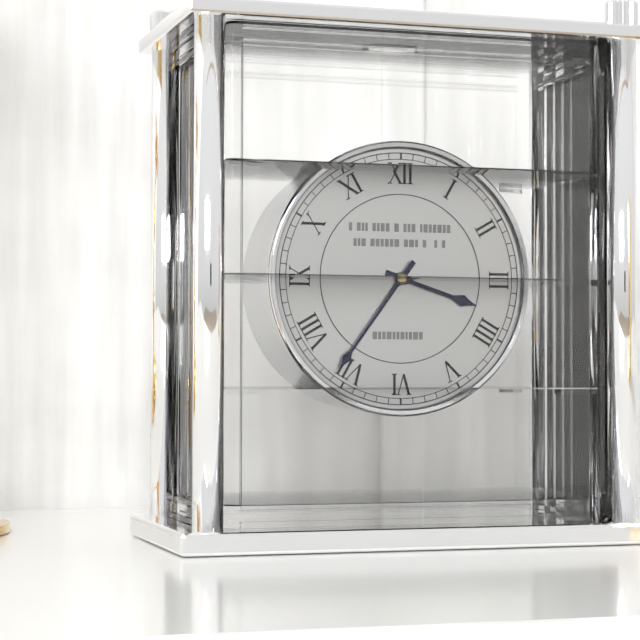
3:36
